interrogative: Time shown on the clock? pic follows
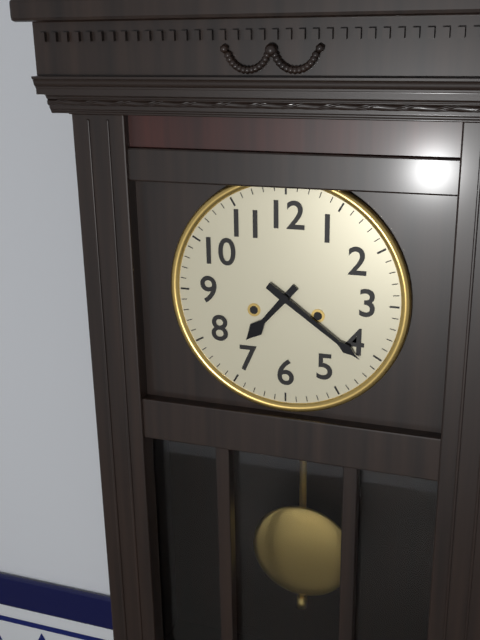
7:21
